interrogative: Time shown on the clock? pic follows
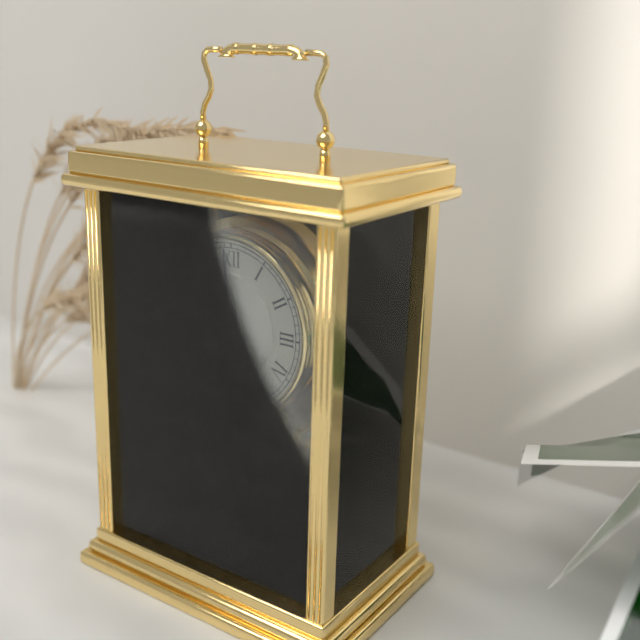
10:59
